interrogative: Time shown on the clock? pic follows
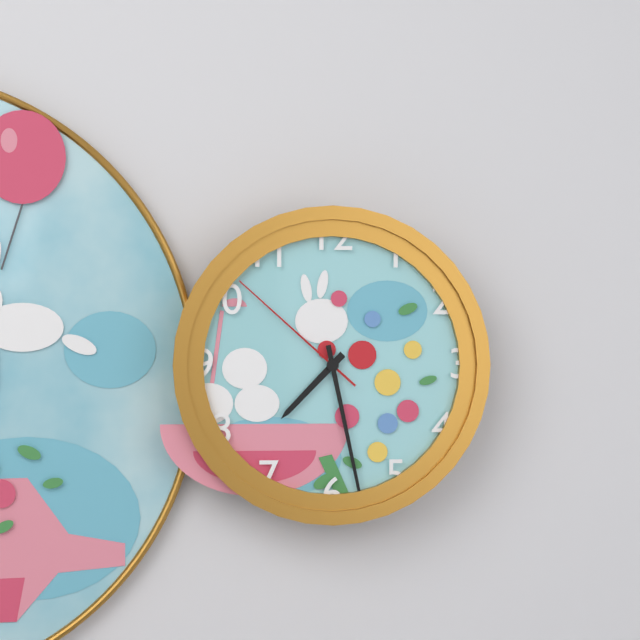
7:28:52
